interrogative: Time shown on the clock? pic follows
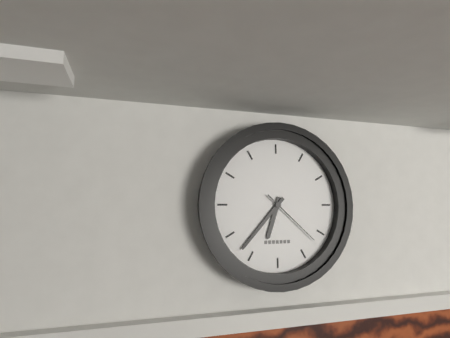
6:37:22
